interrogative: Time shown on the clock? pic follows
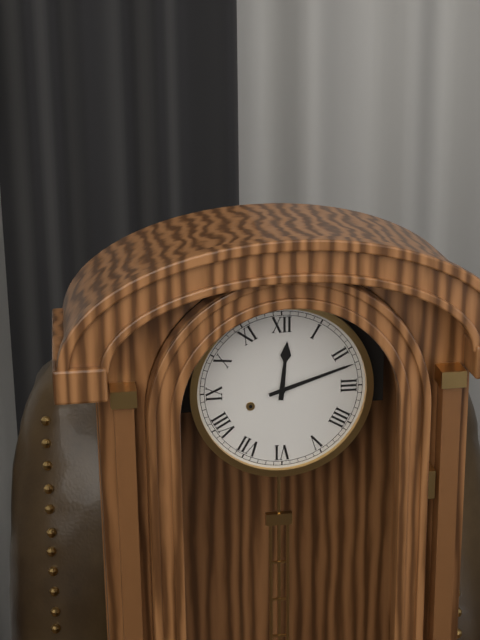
12:12
